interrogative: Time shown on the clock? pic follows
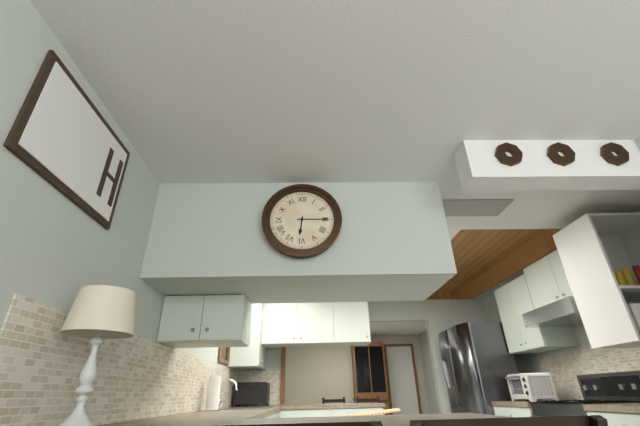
6:15
